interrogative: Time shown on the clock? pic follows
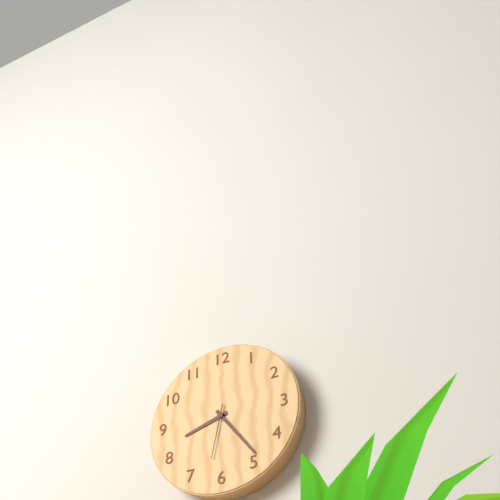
8:24:32
